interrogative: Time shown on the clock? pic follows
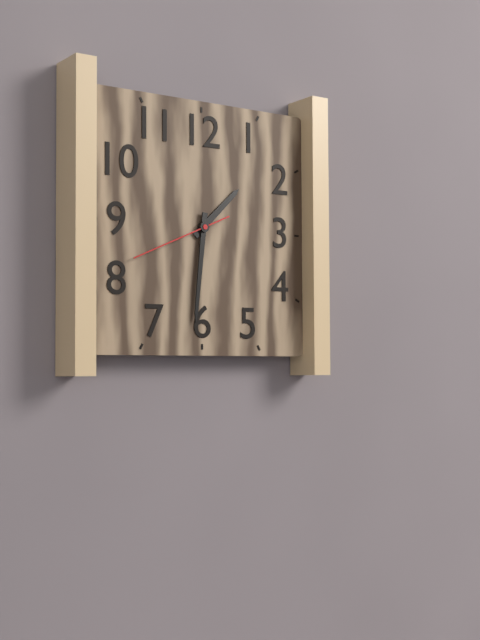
1:31:41
